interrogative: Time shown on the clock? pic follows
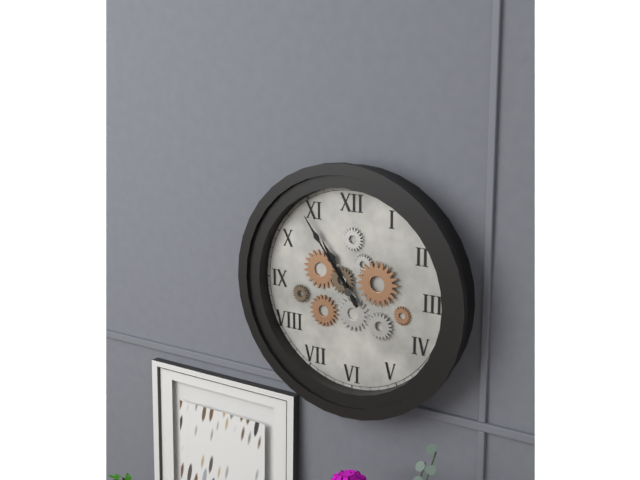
10:54
